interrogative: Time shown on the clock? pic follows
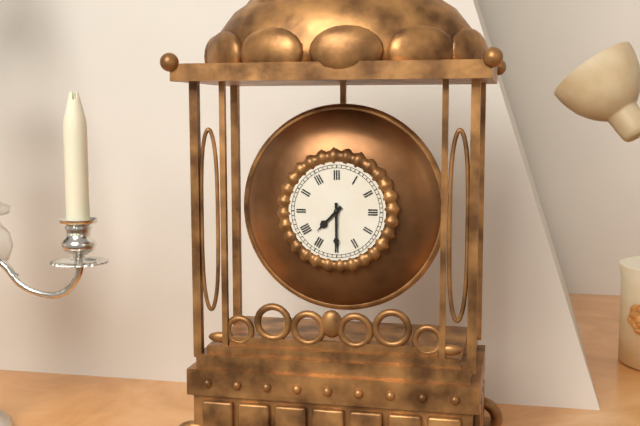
7:30
